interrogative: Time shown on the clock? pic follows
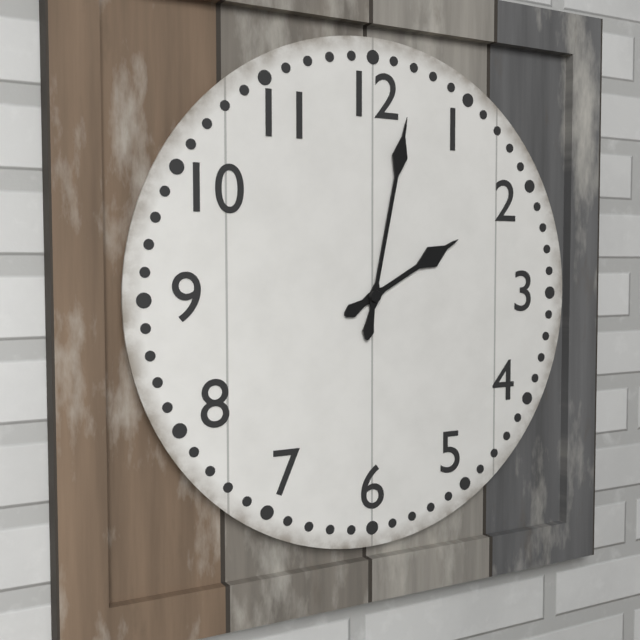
2:02
